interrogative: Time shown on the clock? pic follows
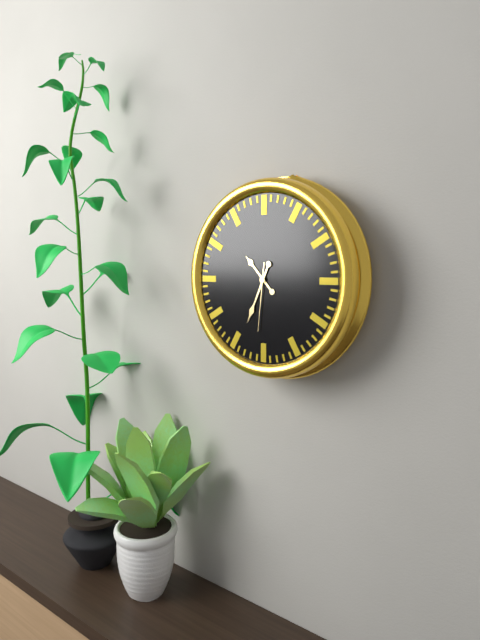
10:34:31
